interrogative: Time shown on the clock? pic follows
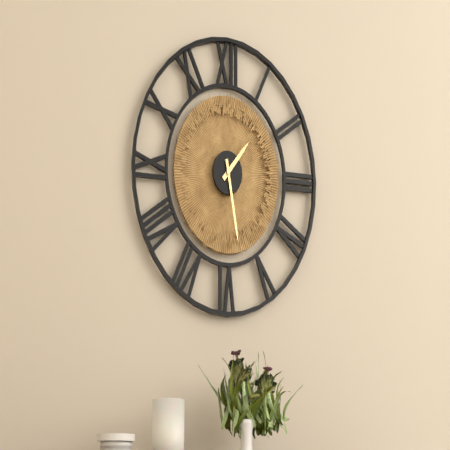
1:28
